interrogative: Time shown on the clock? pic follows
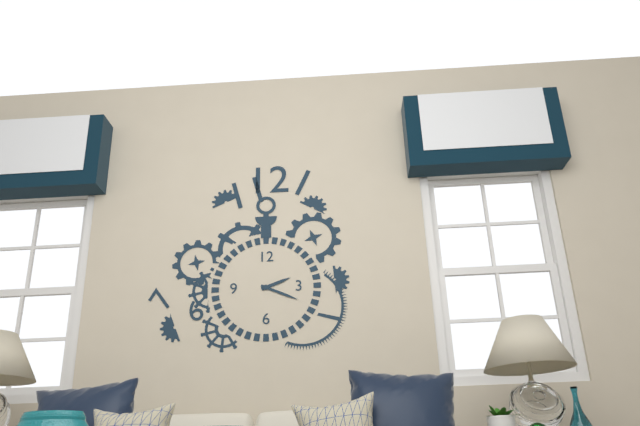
2:19
